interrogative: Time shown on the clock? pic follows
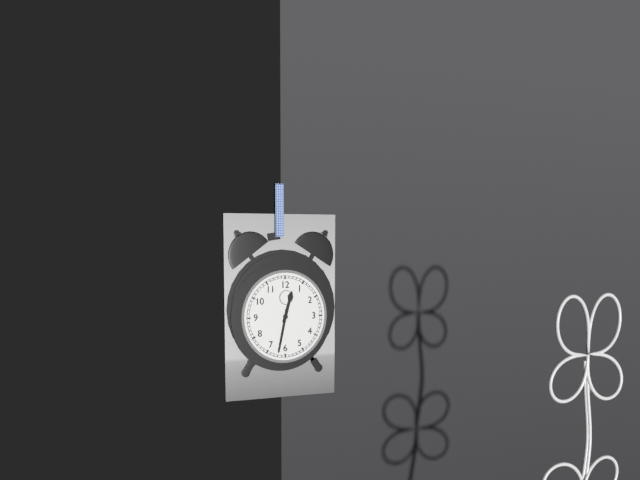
12:32
